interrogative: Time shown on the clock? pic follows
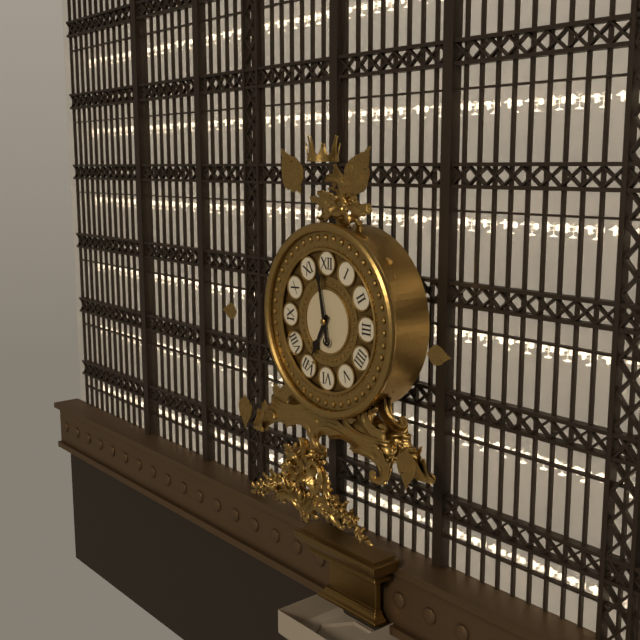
6:58
